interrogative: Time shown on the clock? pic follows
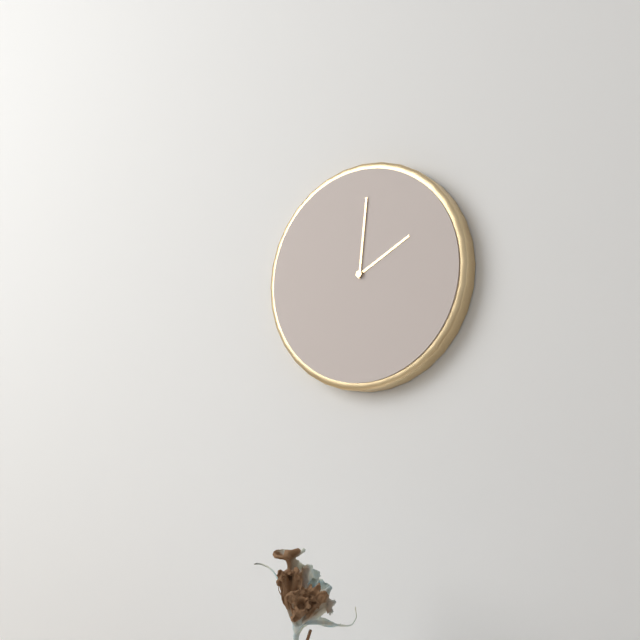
2:01
